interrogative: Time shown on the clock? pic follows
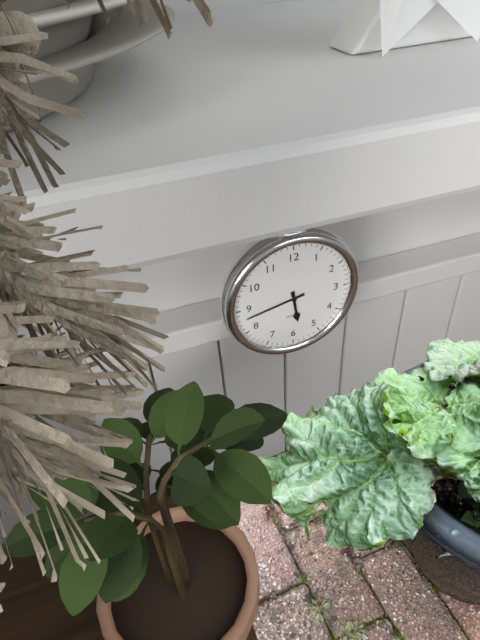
5:43
